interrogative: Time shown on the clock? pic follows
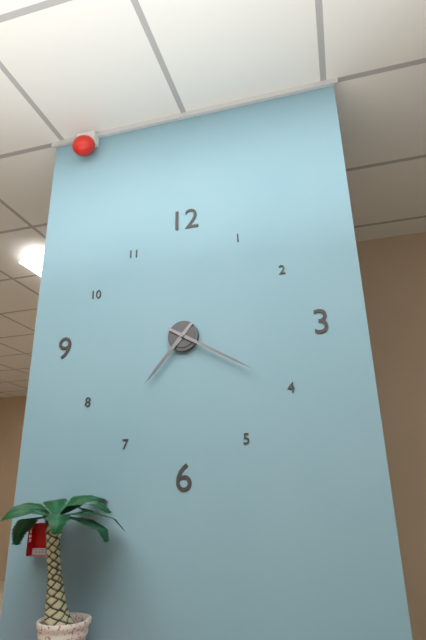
7:20
